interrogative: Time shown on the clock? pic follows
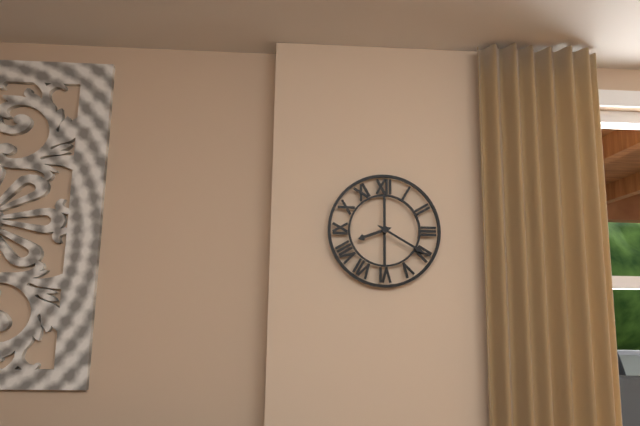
8:20
